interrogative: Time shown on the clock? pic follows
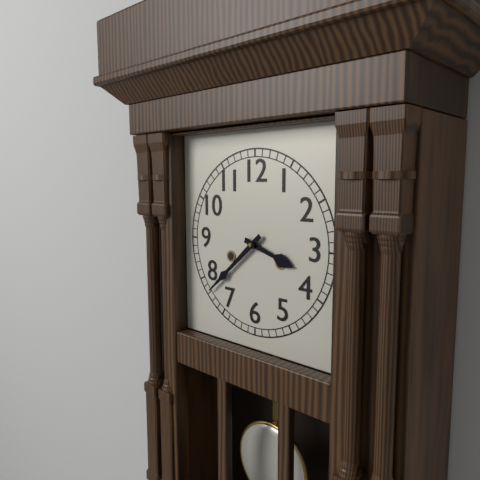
3:38
